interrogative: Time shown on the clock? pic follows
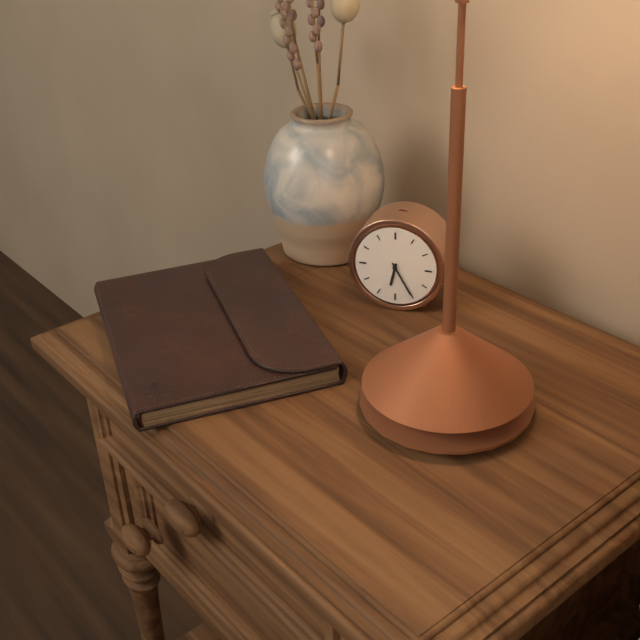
6:25
